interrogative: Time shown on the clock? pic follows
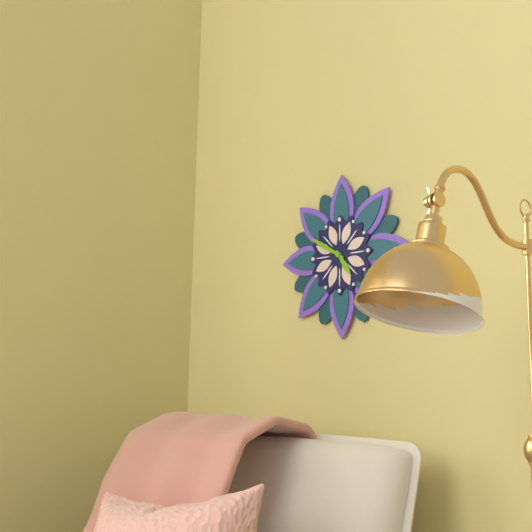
4:50
